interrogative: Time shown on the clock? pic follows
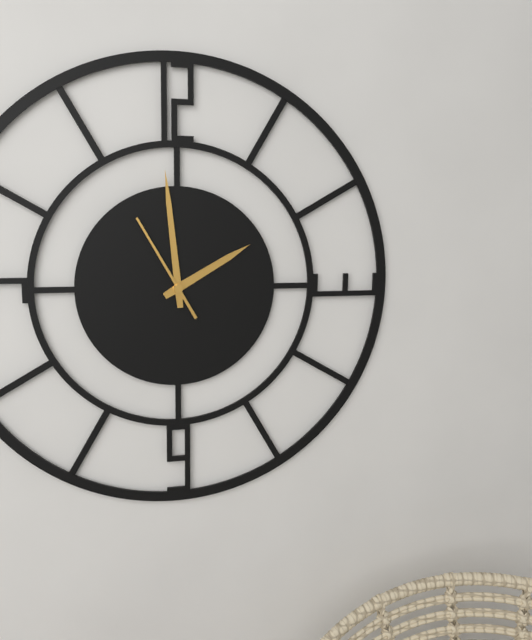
1:59:55
